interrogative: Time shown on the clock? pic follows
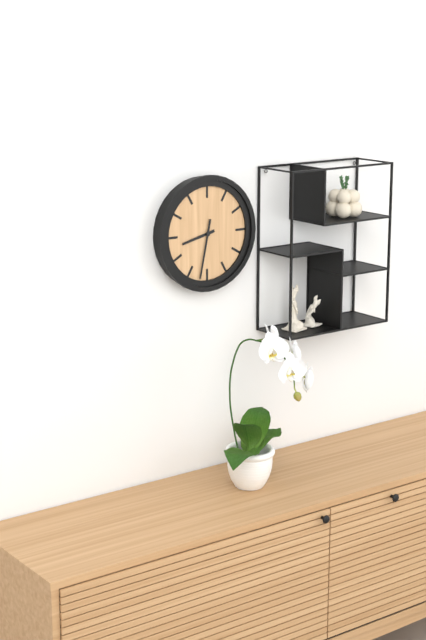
8:32
